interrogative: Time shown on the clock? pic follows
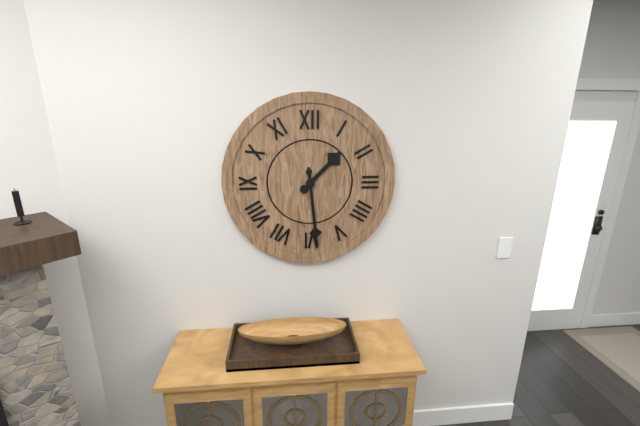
1:29
